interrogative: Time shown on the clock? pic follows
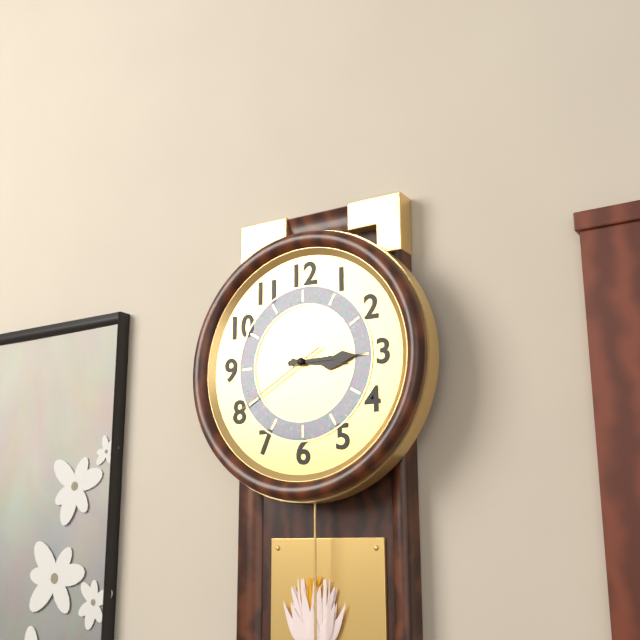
3:15:40
